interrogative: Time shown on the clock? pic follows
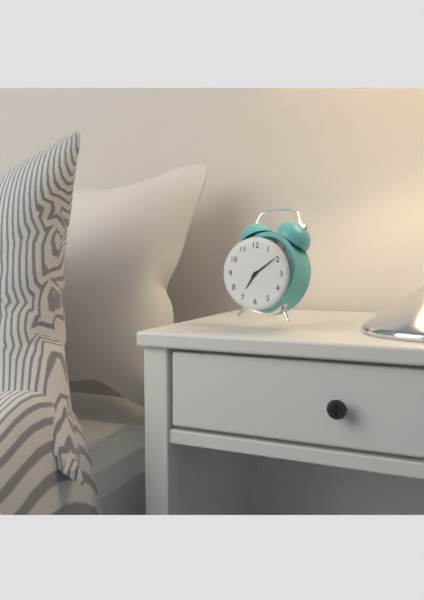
7:09
